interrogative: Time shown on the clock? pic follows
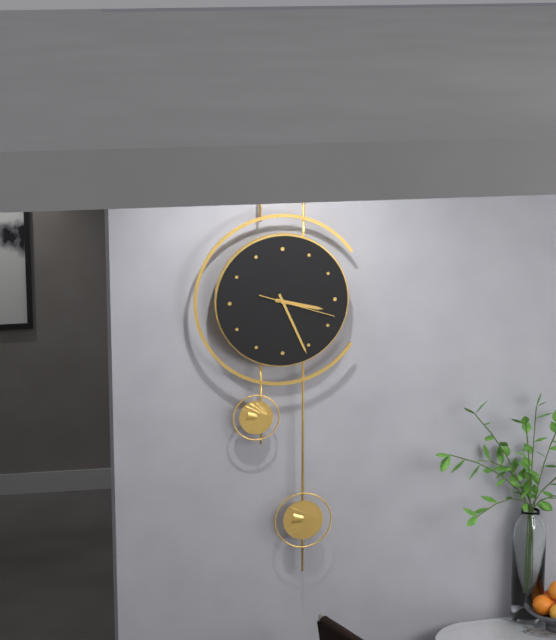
3:26:18
